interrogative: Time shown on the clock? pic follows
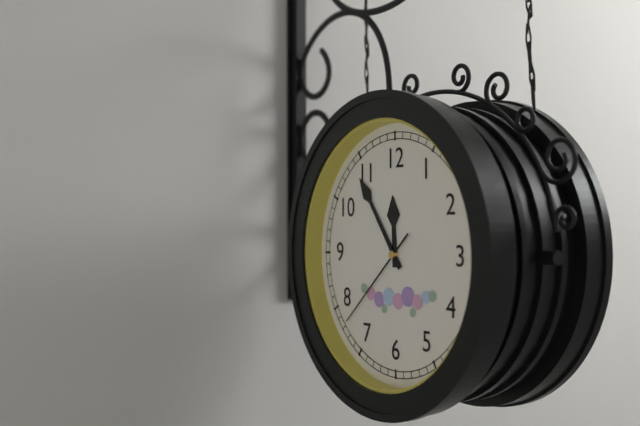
11:54:38
